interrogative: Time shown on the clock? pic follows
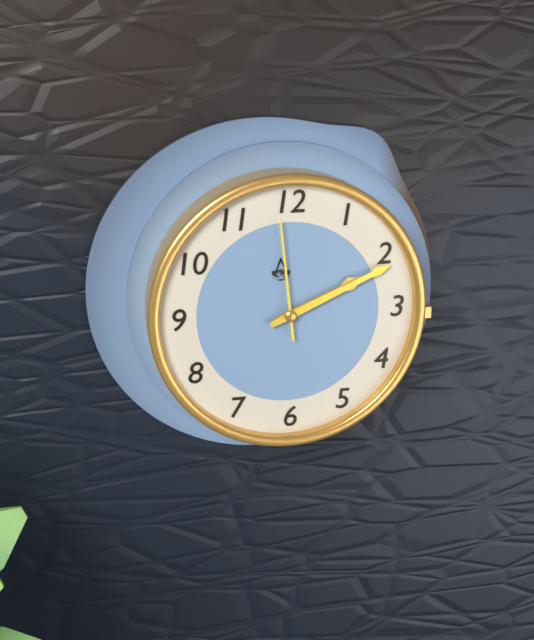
2:11:59
